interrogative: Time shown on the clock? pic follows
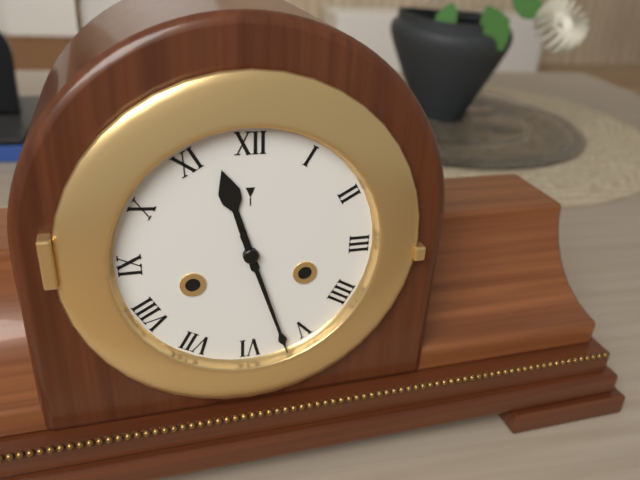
11:27
